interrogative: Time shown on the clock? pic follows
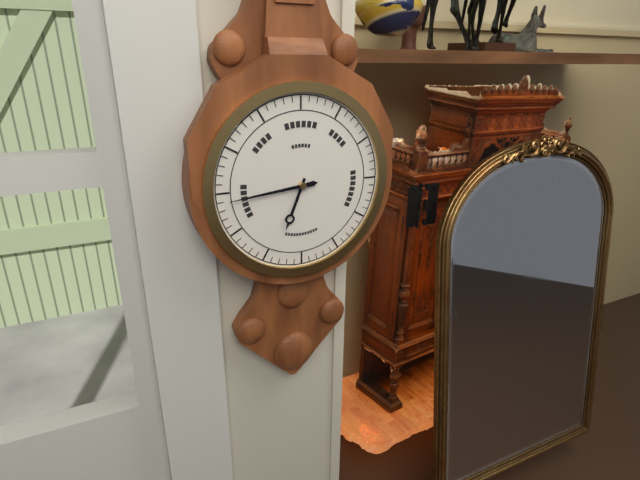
6:44
